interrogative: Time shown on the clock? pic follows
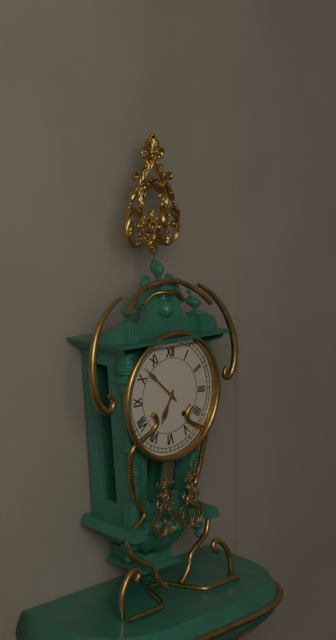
6:52
